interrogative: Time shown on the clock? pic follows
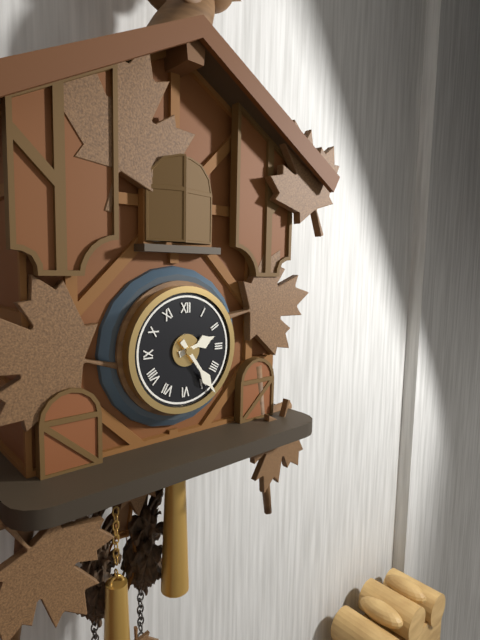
2:24
